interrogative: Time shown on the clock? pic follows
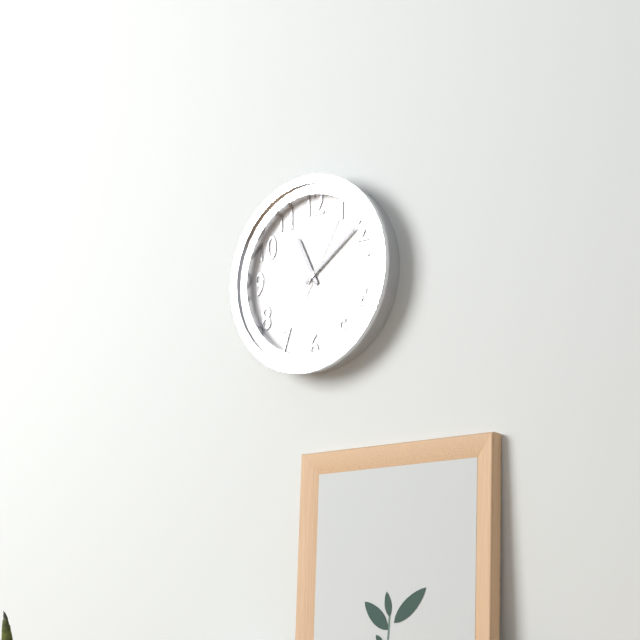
11:09:05
